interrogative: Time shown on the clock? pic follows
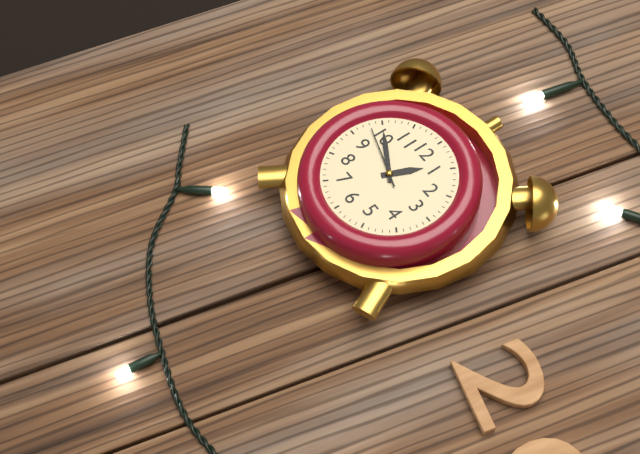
12:50:48
